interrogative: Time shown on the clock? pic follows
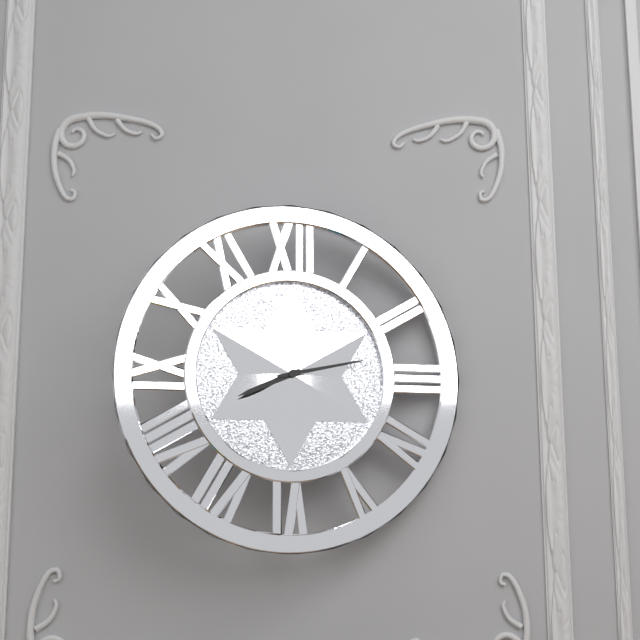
8:13
